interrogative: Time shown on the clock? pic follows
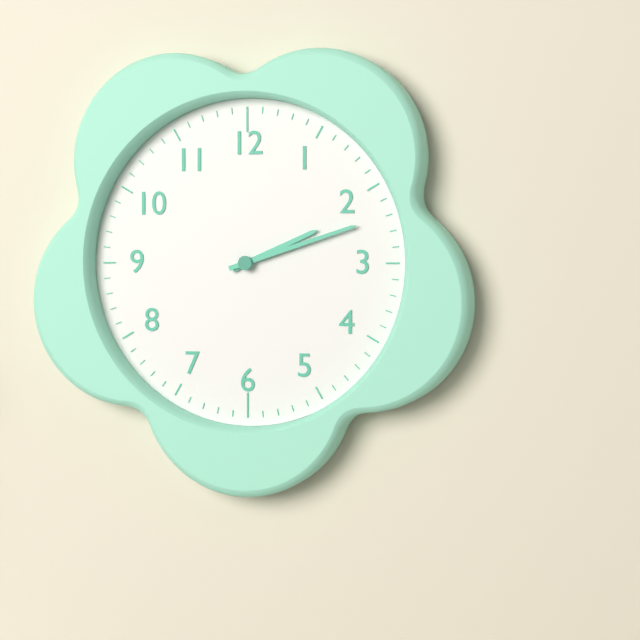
2:12
